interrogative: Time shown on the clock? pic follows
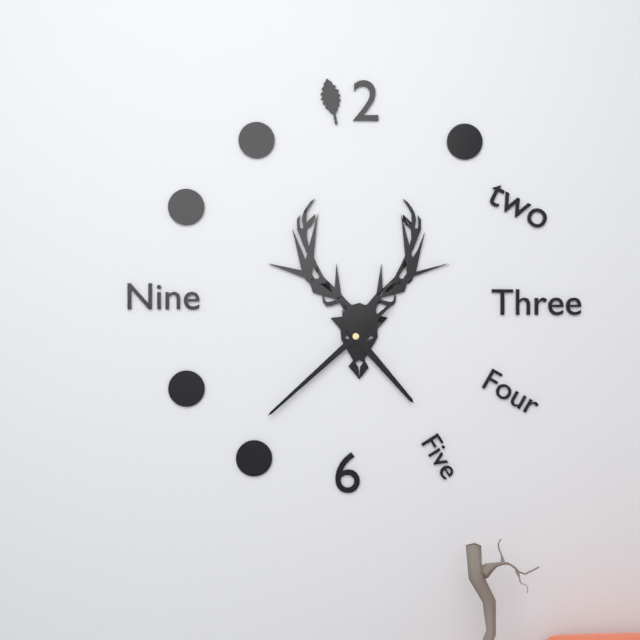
4:38
